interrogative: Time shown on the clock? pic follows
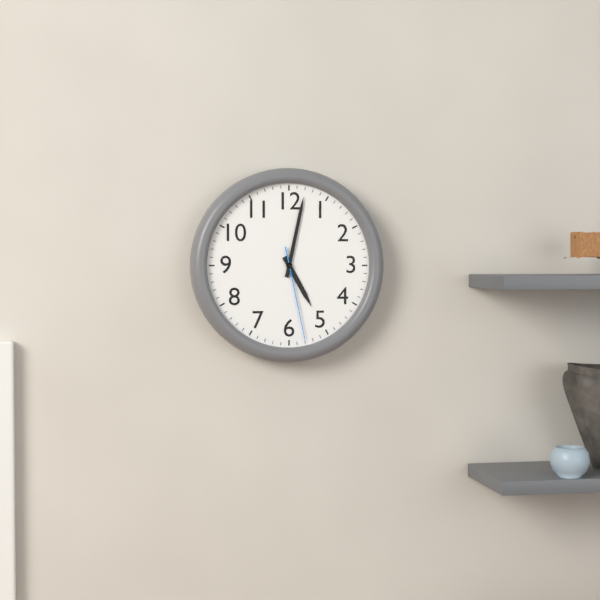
5:02:28
